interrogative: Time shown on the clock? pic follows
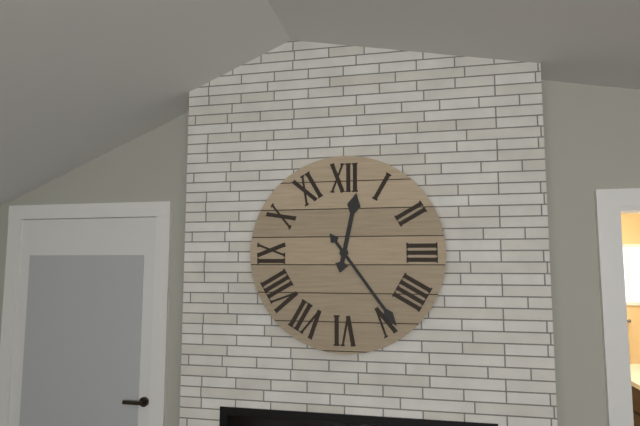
12:24
